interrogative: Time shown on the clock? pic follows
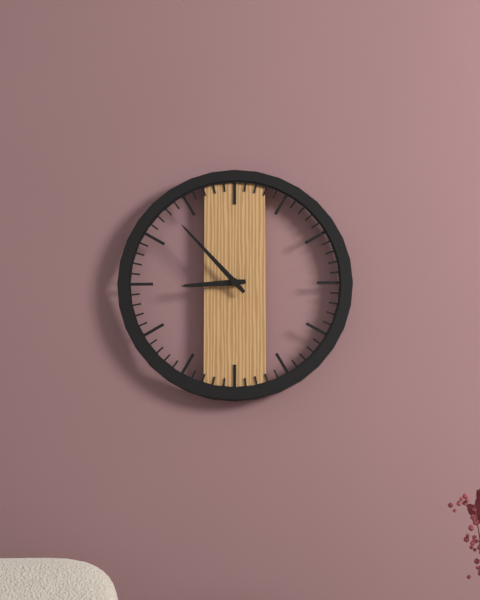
8:53
